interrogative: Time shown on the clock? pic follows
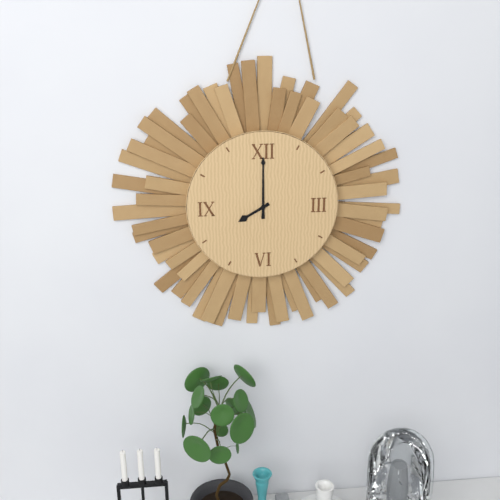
8:00
